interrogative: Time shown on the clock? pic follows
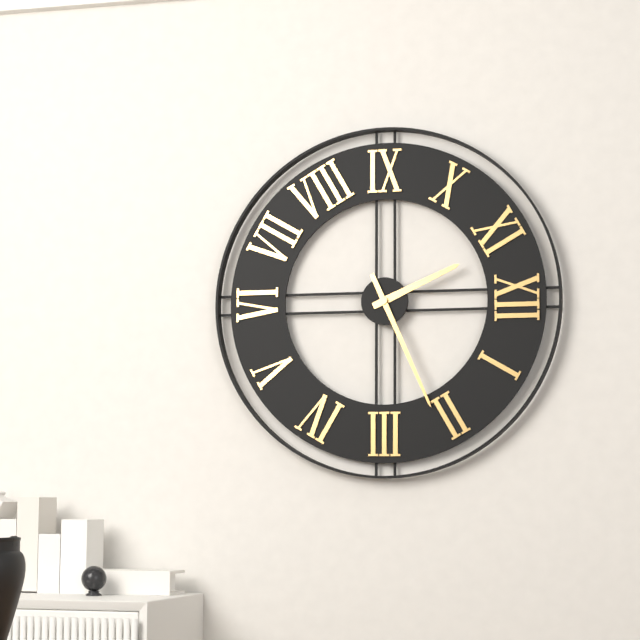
11:11
